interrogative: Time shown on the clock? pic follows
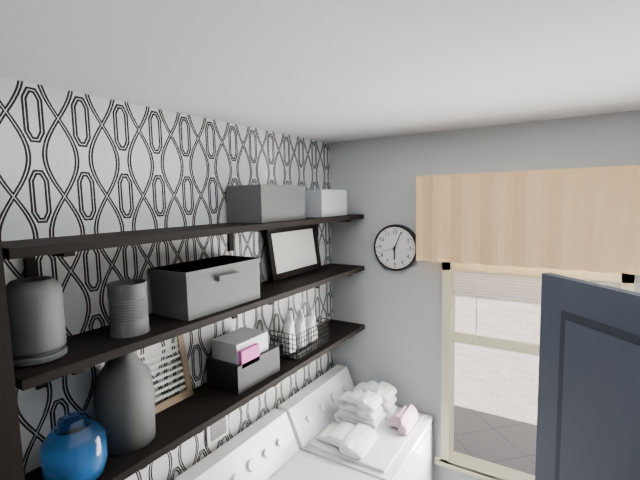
6:04
